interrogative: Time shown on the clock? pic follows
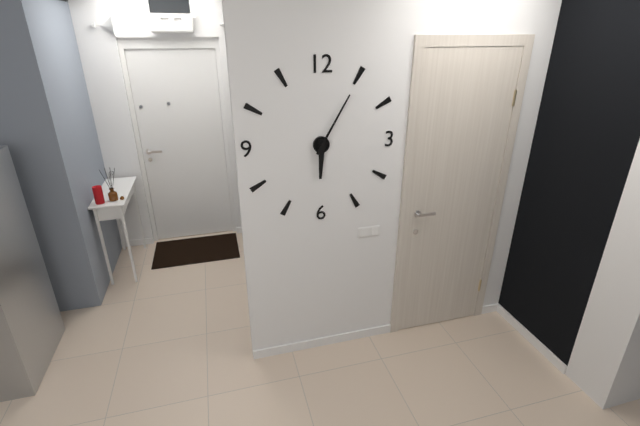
6:05
